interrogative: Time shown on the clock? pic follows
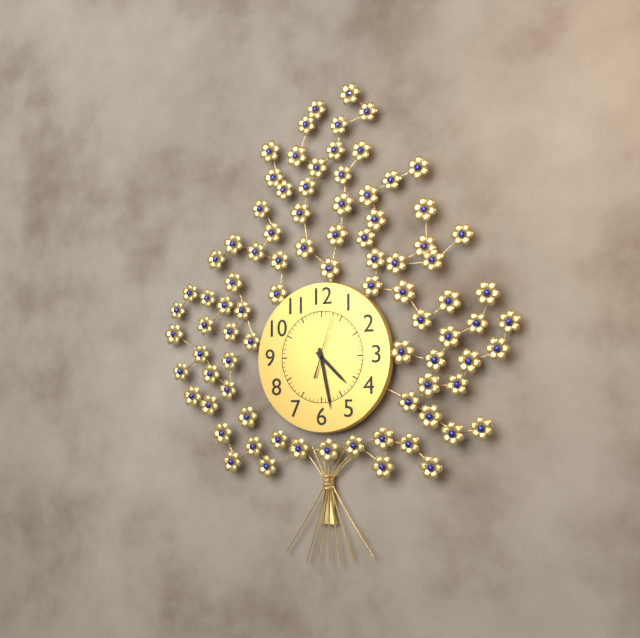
4:28:03
